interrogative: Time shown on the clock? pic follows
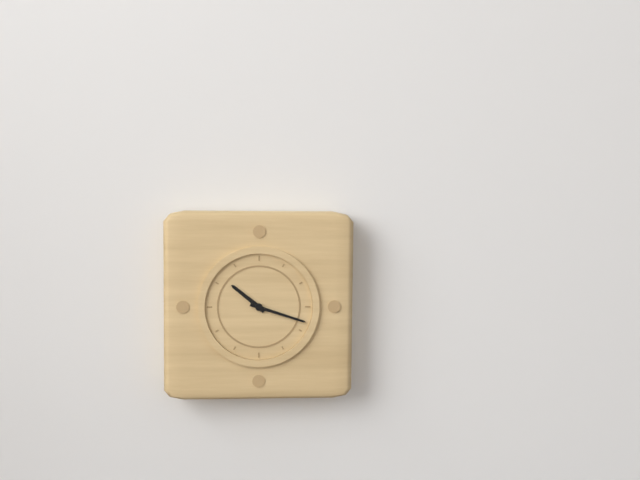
10:18
